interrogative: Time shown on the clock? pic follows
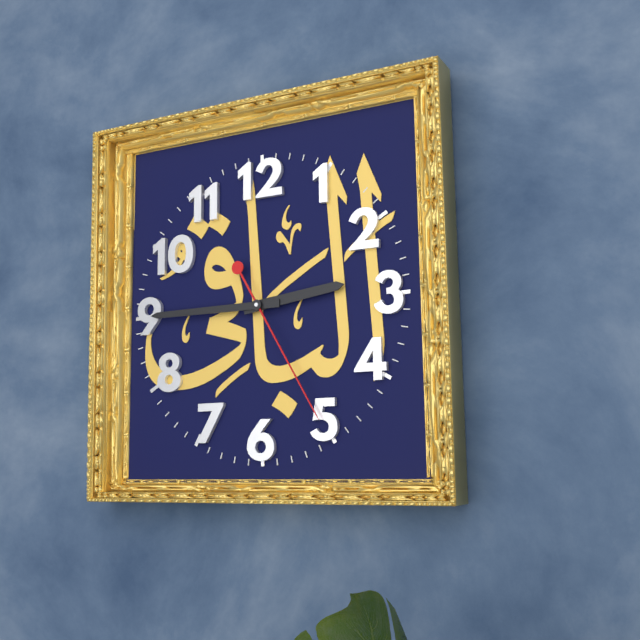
2:45:25
